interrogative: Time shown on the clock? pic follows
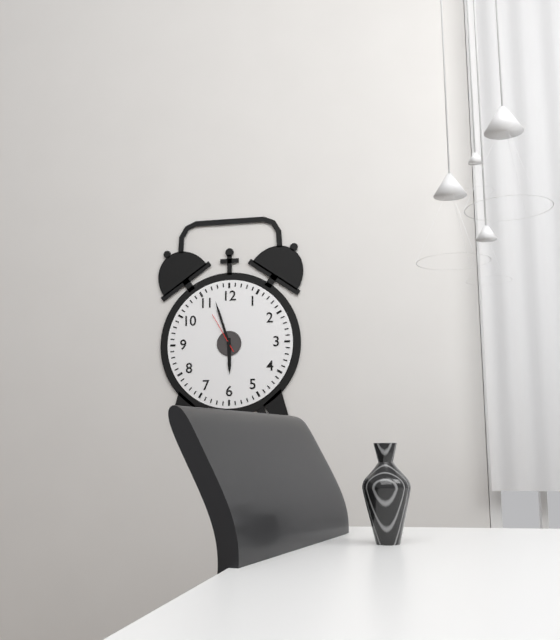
5:57
